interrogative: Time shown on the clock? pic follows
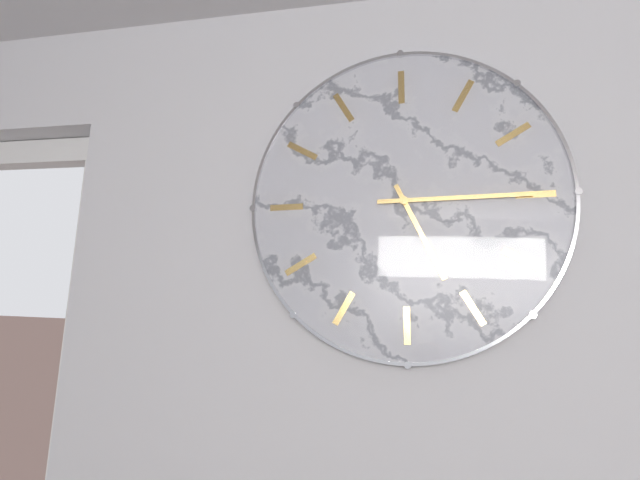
4:10
